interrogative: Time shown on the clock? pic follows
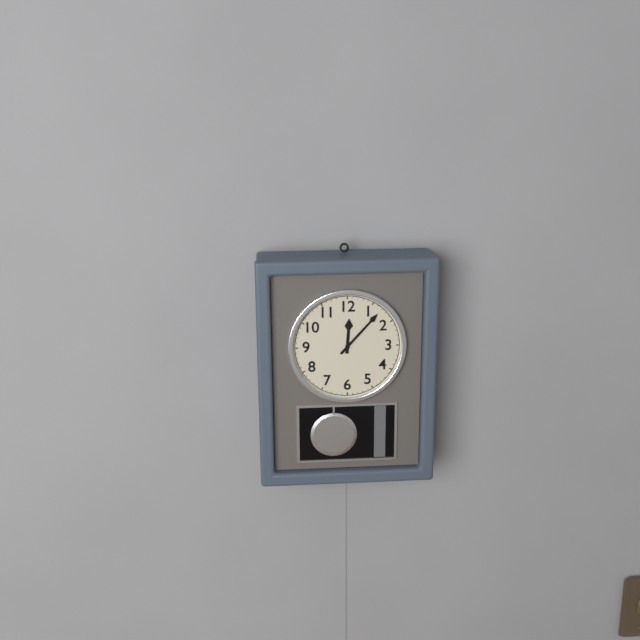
12:07
